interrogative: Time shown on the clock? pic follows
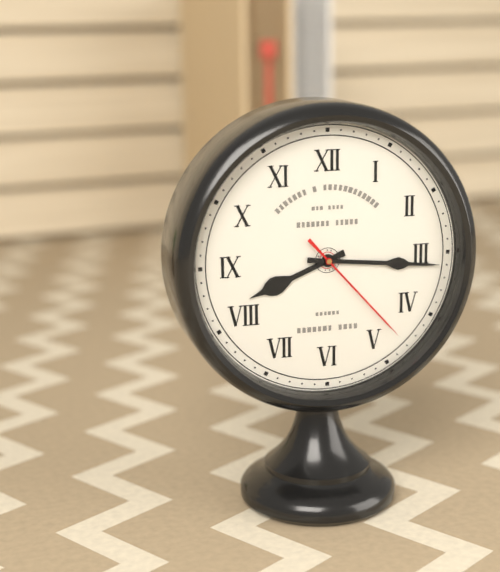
8:16:23
